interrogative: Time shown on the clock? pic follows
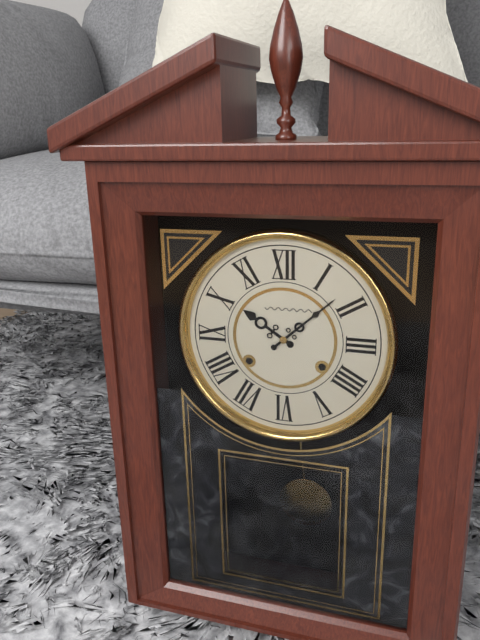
10:08
